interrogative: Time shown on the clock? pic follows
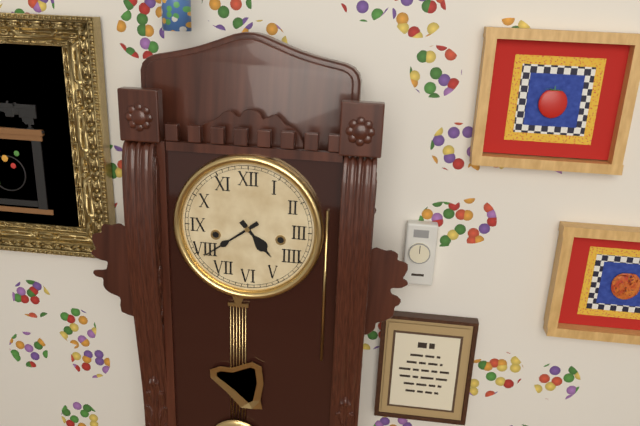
4:39
